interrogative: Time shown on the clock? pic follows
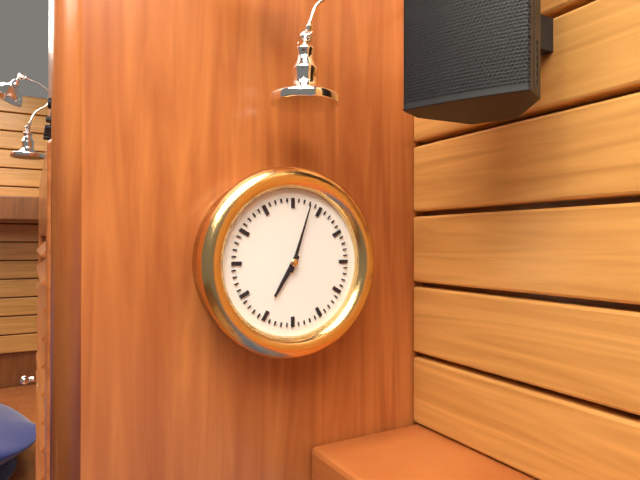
7:03
